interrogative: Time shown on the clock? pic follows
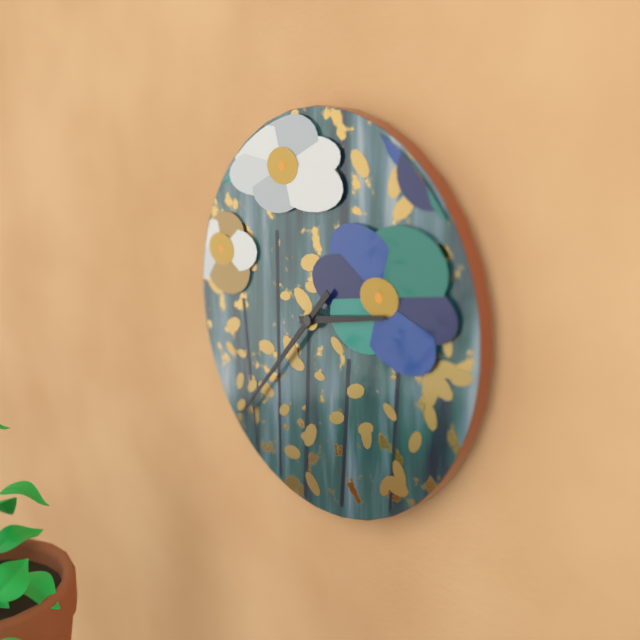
2:37
